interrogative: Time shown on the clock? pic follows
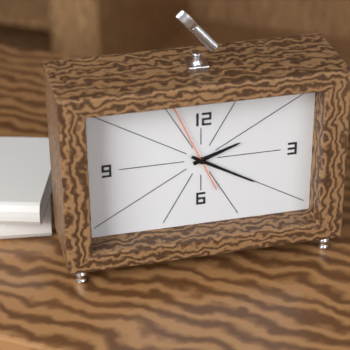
2:20:56
